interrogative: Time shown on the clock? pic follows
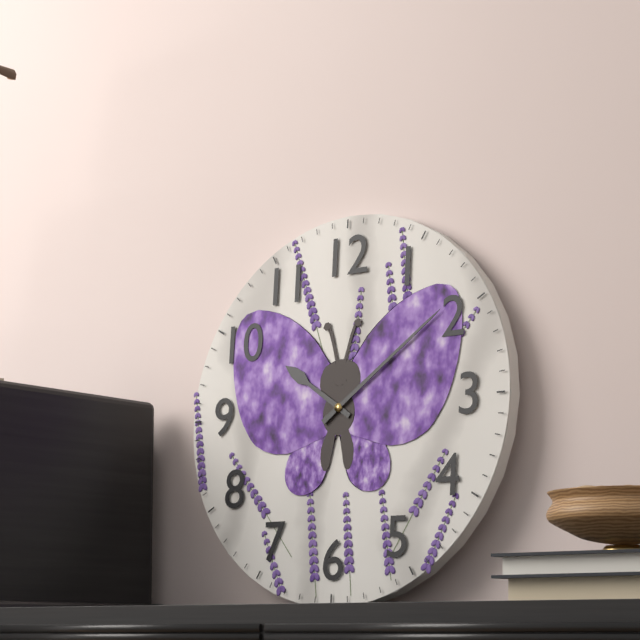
10:09
